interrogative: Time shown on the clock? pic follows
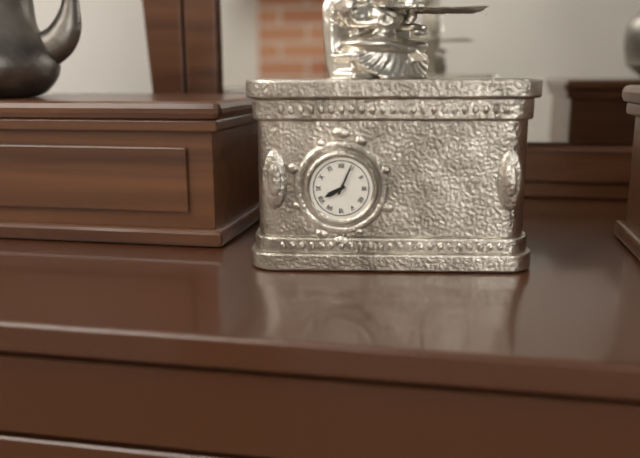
8:04
